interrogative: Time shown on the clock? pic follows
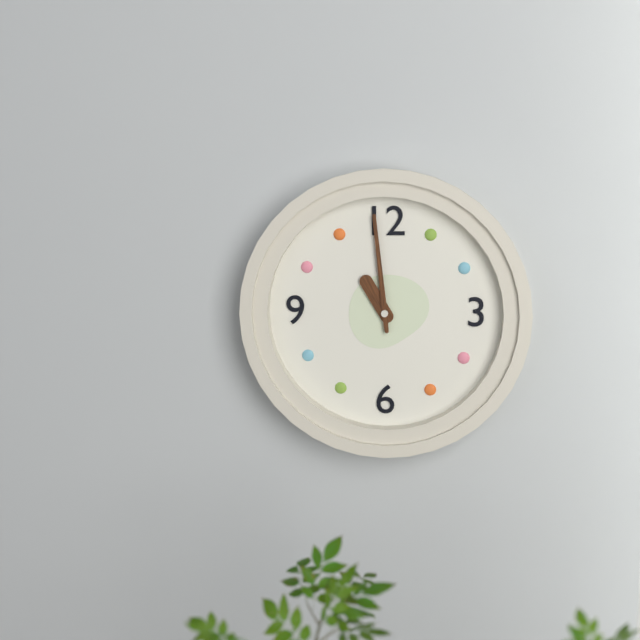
10:59
